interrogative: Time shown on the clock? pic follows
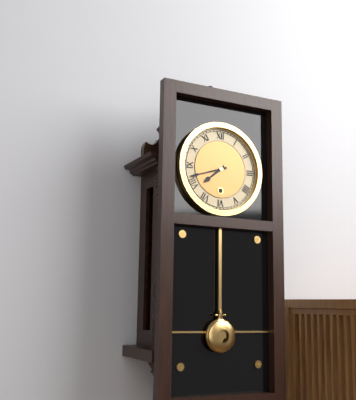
7:42
